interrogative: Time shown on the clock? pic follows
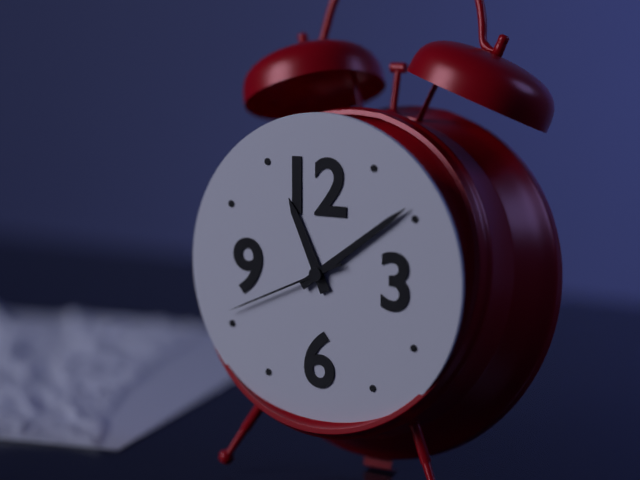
11:09:41
